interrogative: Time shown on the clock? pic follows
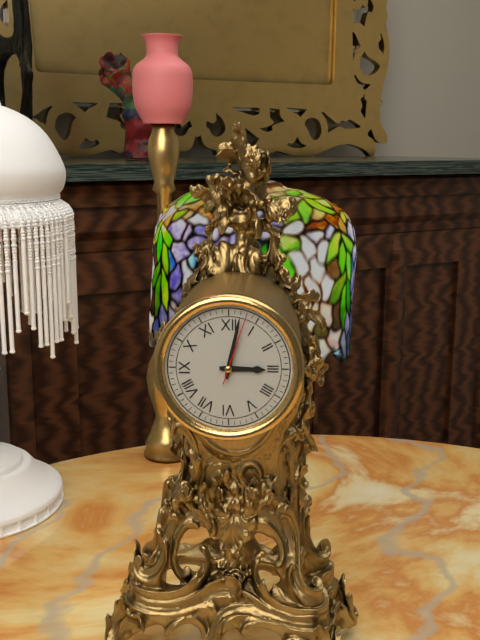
3:02:03
